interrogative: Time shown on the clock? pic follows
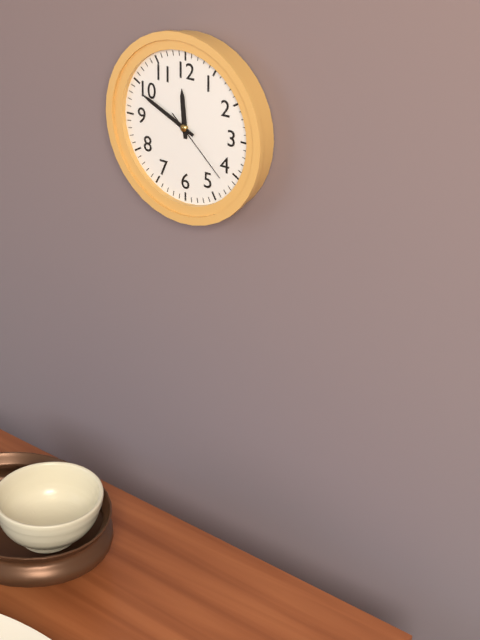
11:49:22
